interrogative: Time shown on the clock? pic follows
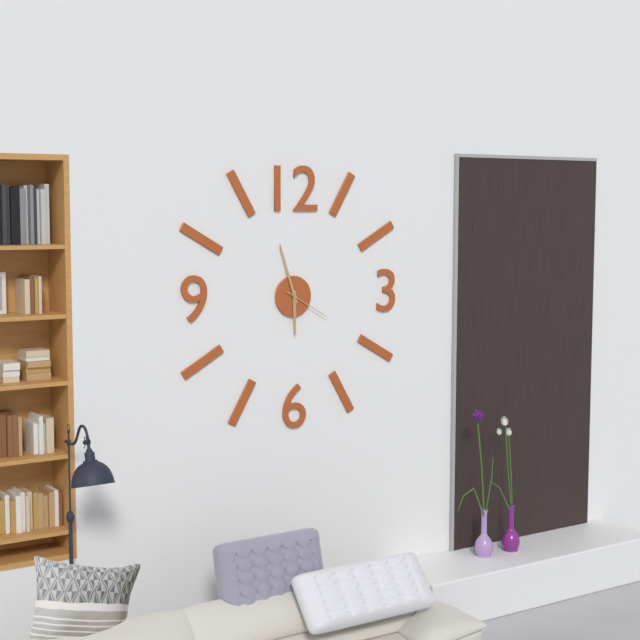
5:57
